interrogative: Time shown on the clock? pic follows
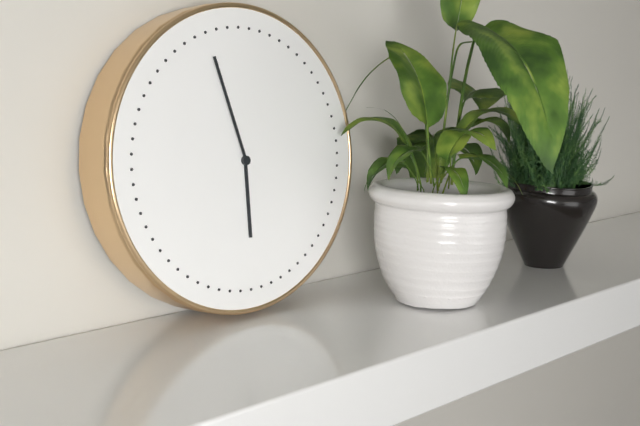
5:57
